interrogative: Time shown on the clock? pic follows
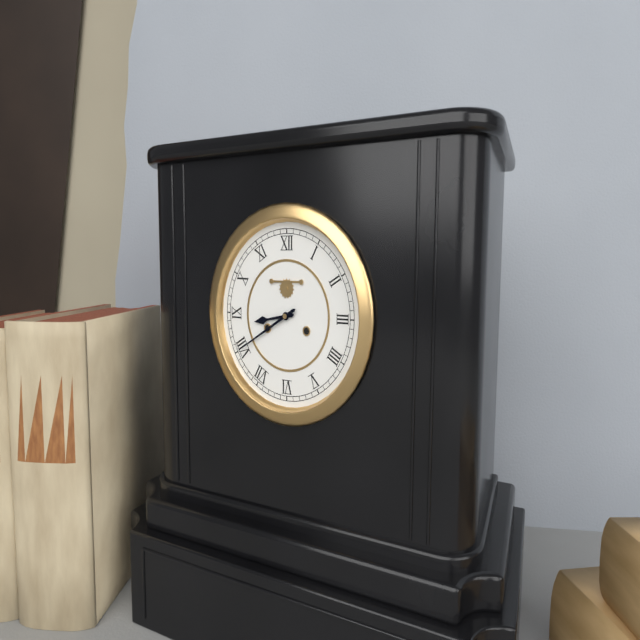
8:40
